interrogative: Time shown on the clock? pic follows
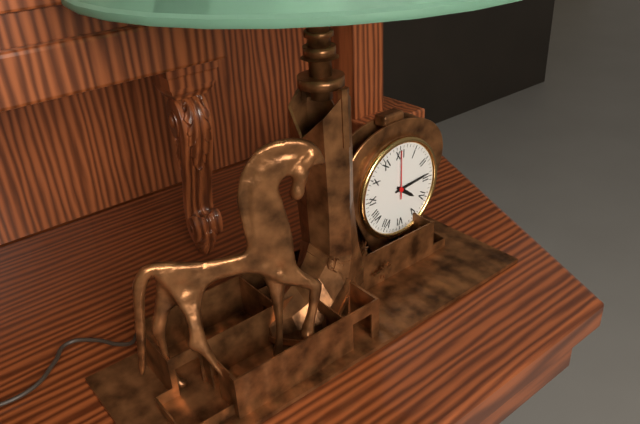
4:14
